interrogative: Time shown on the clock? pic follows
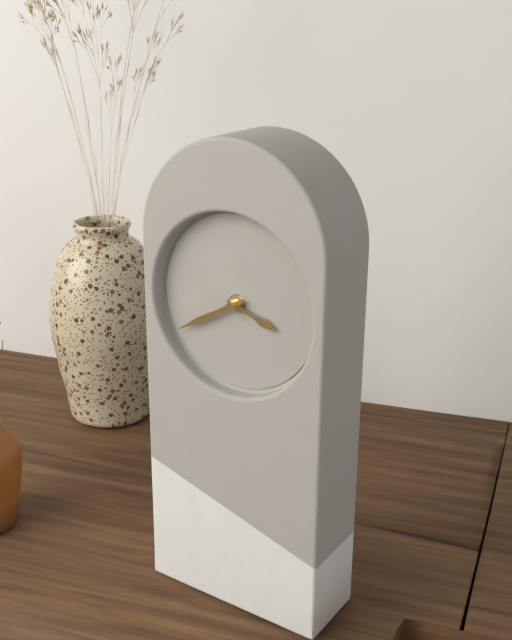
3:40
